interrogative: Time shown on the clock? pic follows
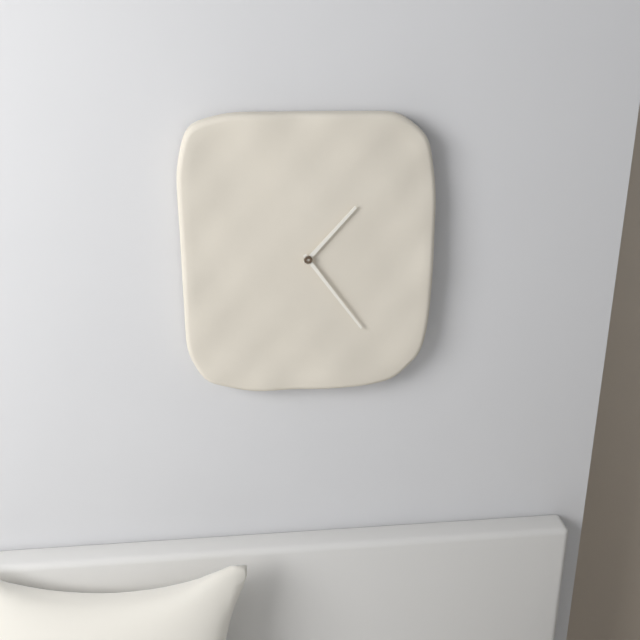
1:24
